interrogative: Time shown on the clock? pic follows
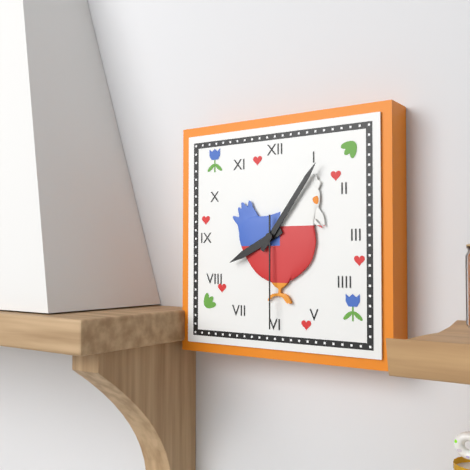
8:06:30
